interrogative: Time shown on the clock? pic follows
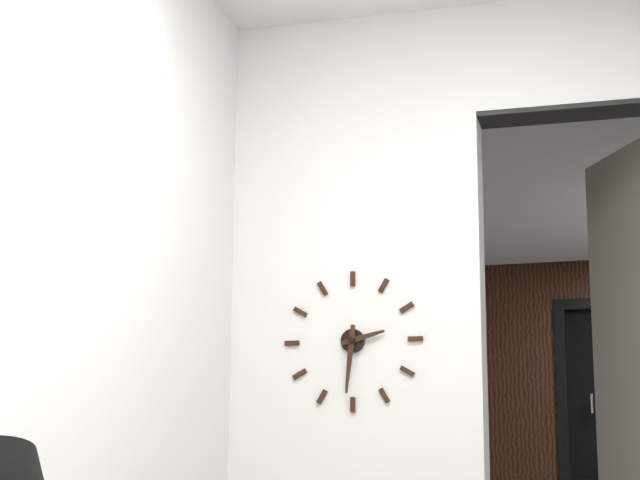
2:31
